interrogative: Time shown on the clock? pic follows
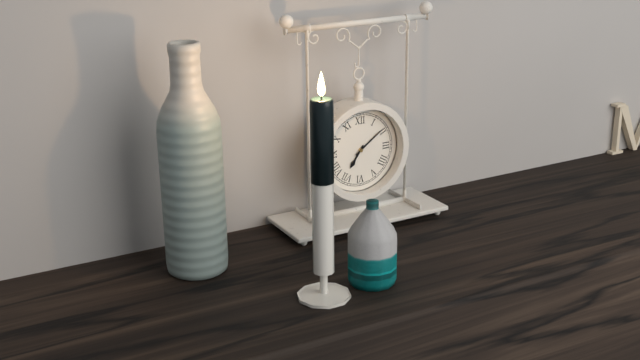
7:09
